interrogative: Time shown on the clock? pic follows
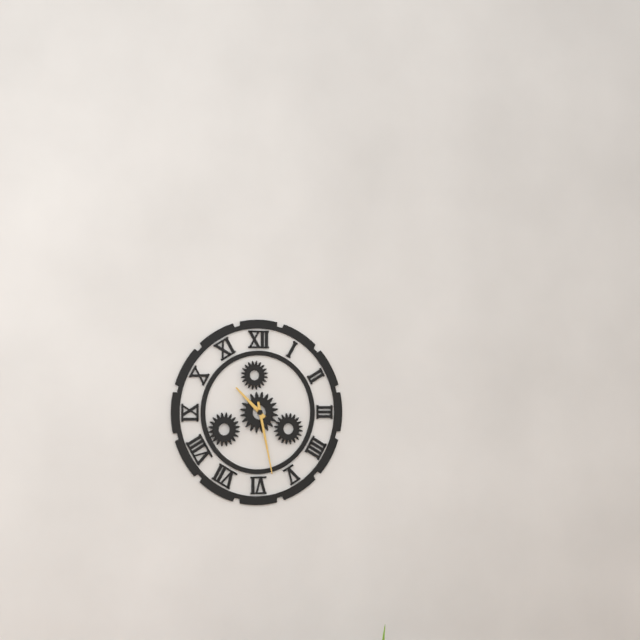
10:28
